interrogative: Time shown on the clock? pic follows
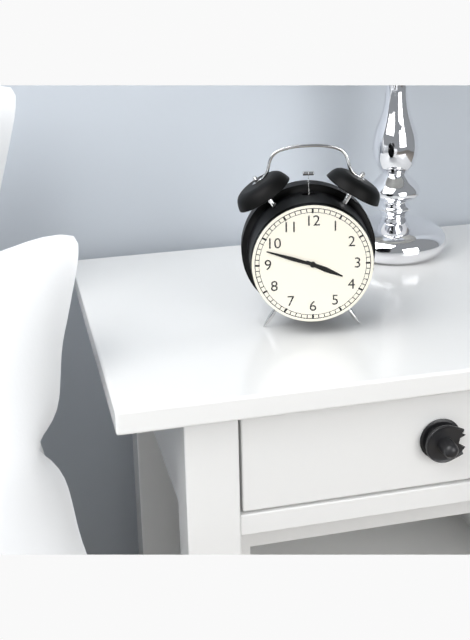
3:48
